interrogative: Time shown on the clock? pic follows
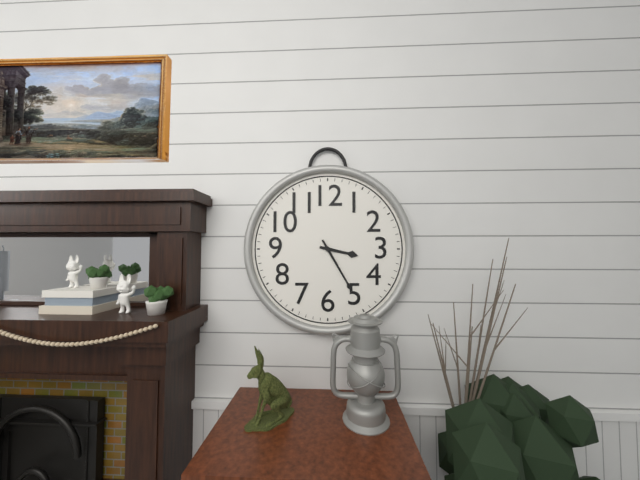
3:25
